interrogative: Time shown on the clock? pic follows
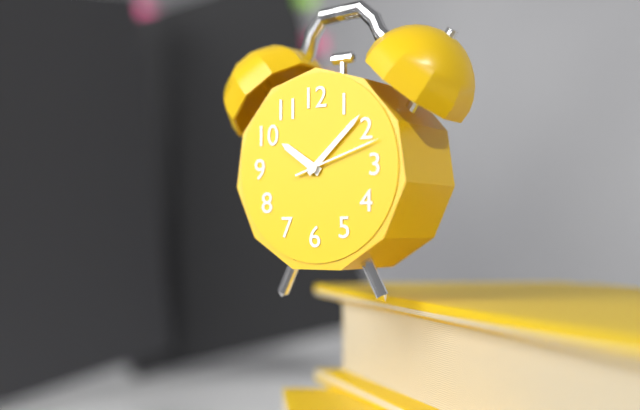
10:08:12
